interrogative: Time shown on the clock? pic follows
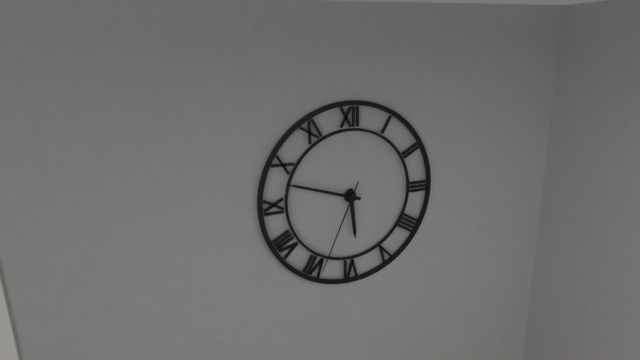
5:48:34
